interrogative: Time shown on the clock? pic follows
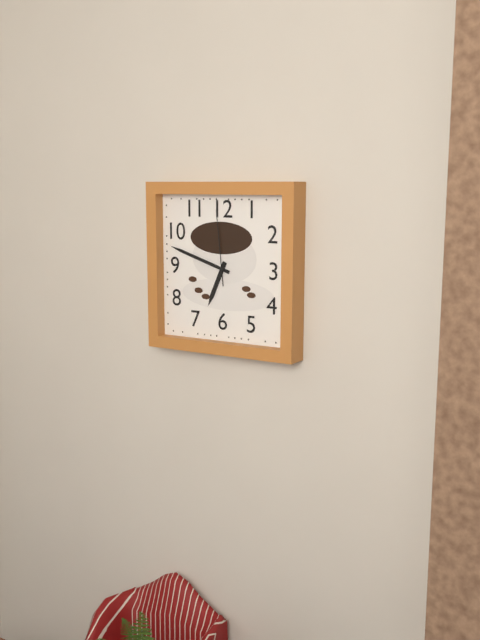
6:48:59
